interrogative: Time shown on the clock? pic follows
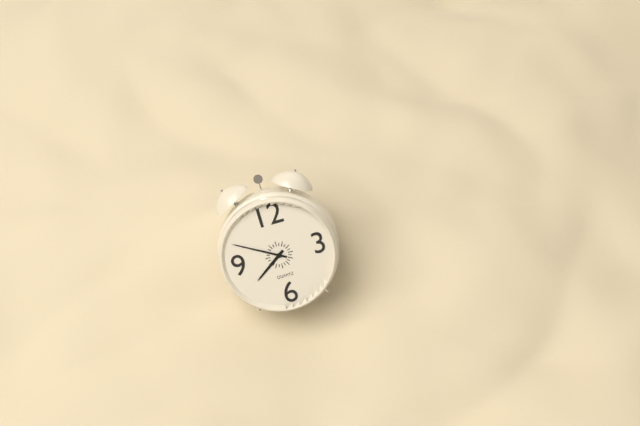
7:50
